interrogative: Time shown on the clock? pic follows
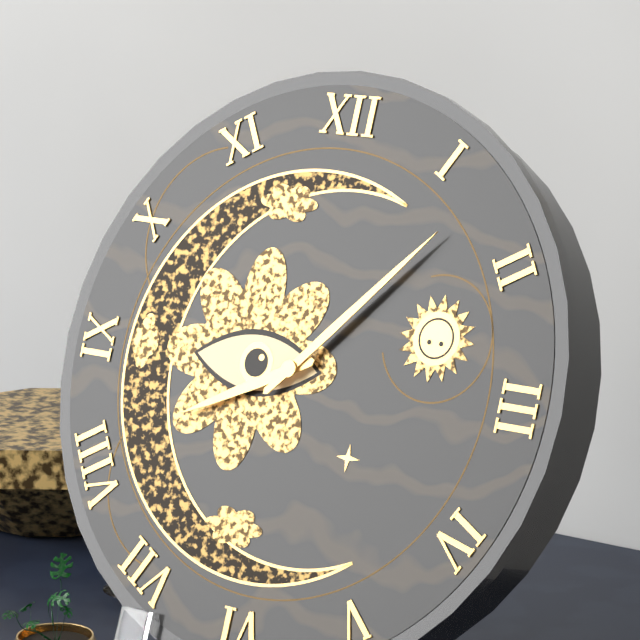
8:07
